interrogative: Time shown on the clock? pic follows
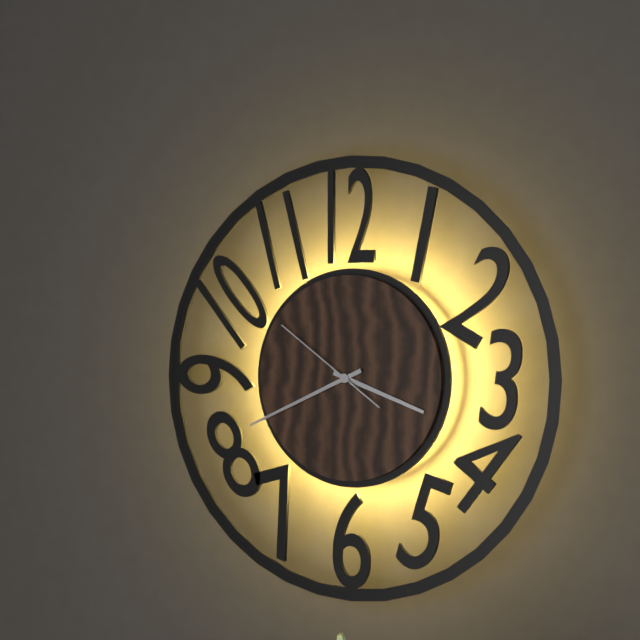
3:41:51
